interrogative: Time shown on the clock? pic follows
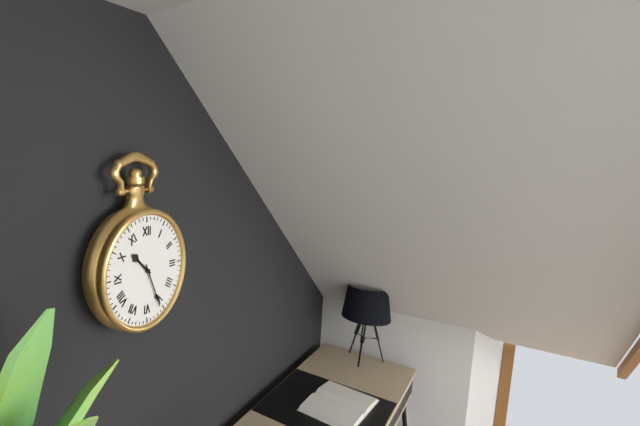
10:26
